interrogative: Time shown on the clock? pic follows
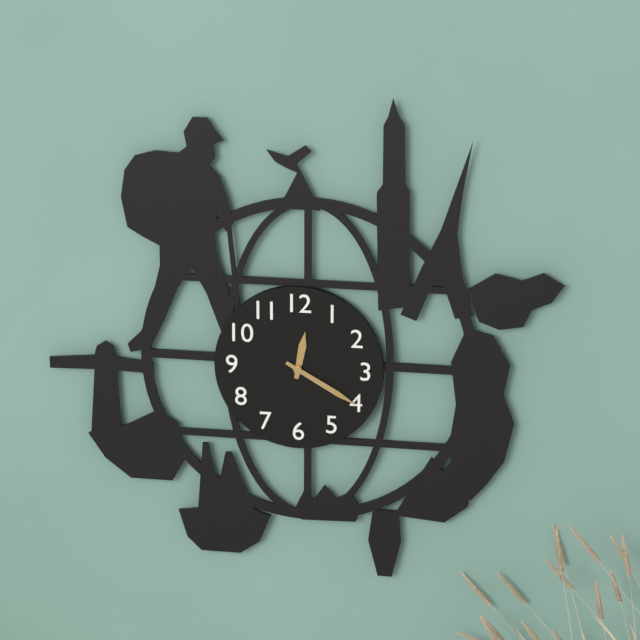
12:20
